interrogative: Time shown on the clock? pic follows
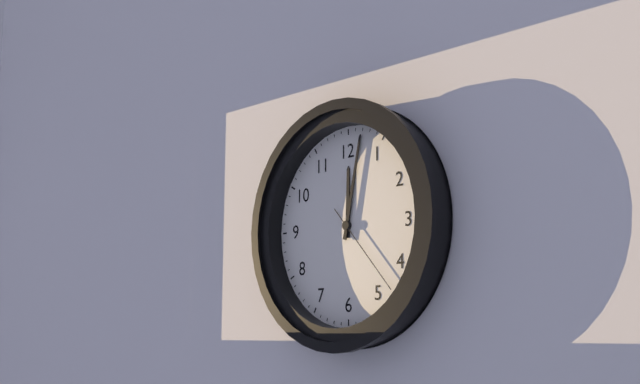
12:02:23
